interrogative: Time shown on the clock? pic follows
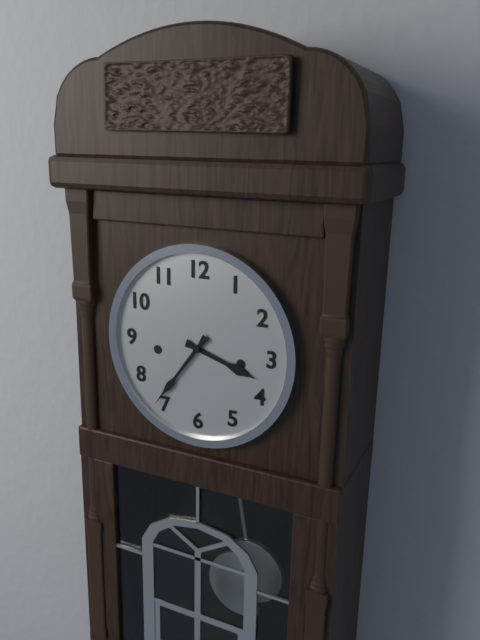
3:36
